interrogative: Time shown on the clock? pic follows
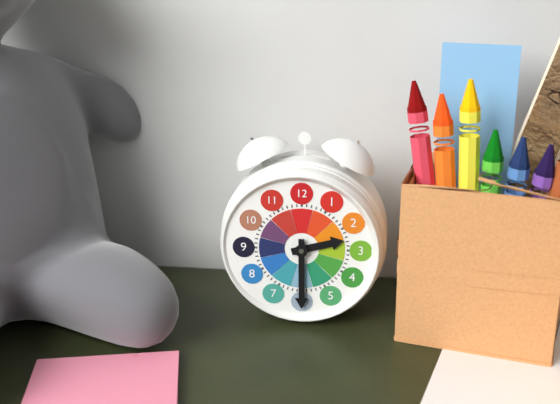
2:30
